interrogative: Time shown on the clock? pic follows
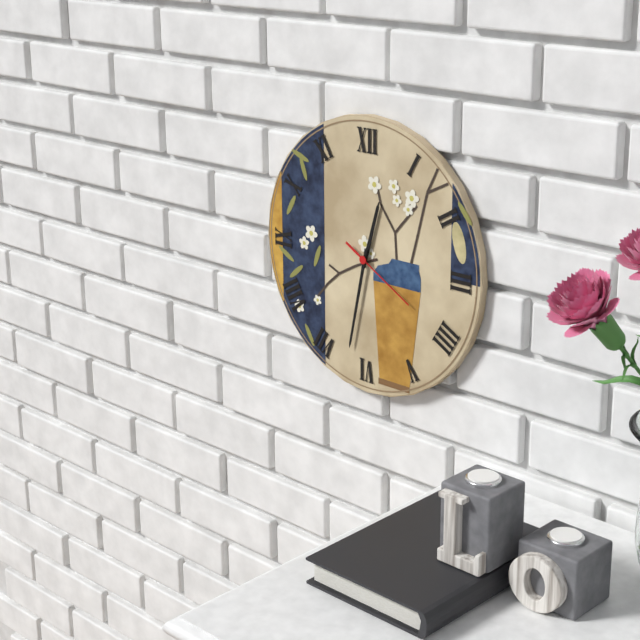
12:32:20
